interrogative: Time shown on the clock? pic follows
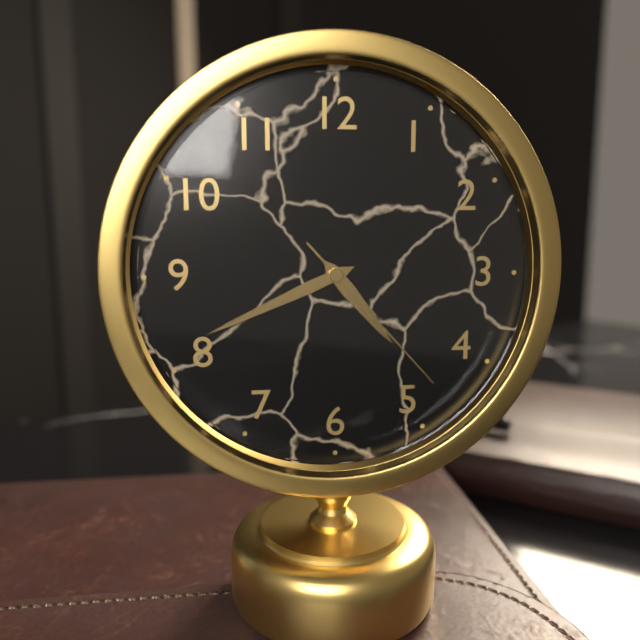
4:41:23
